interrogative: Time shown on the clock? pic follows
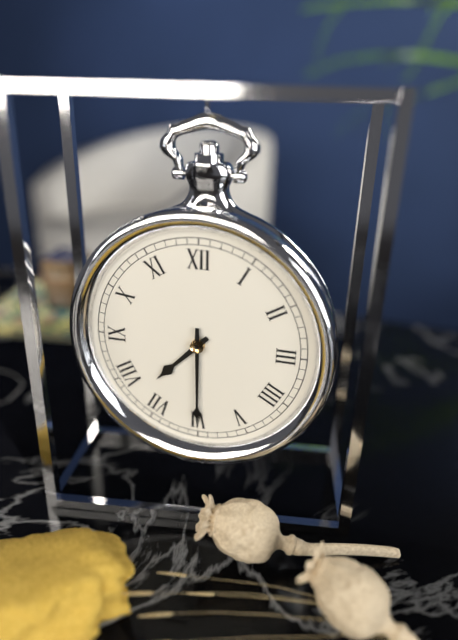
7:30
